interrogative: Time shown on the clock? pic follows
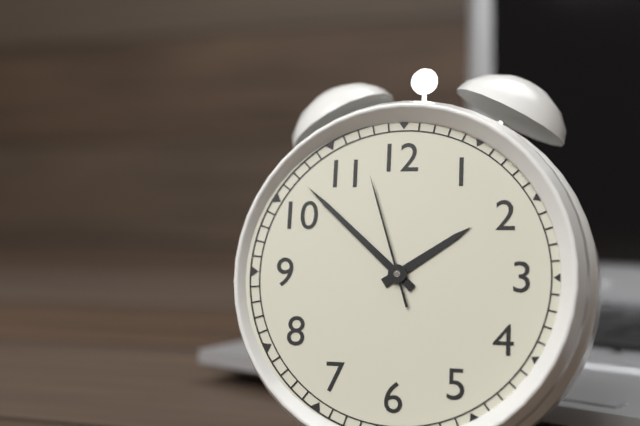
1:52:57
